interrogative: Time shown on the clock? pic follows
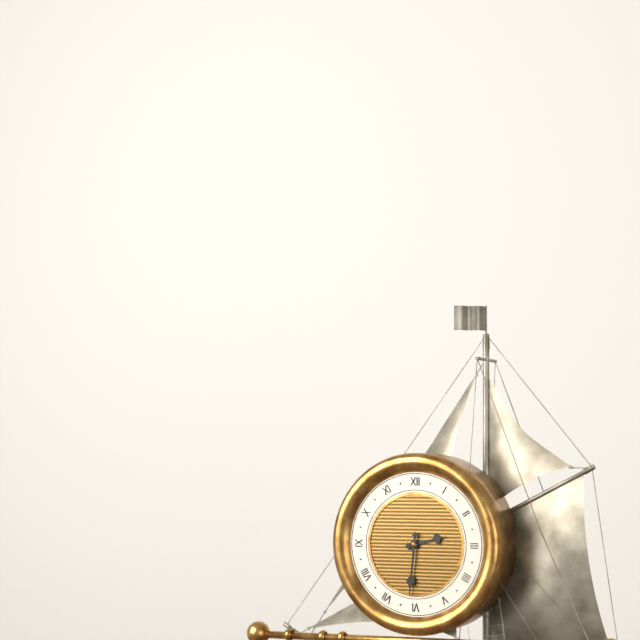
2:31
